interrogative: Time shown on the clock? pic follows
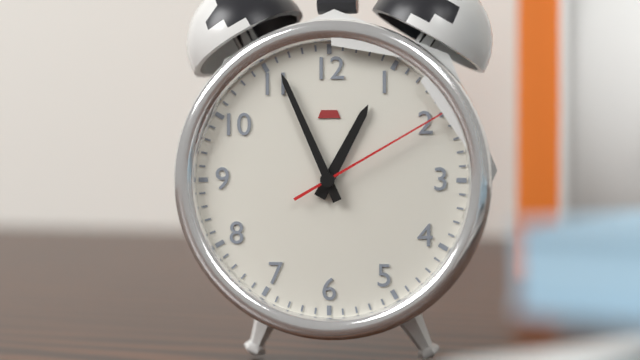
12:56:10
